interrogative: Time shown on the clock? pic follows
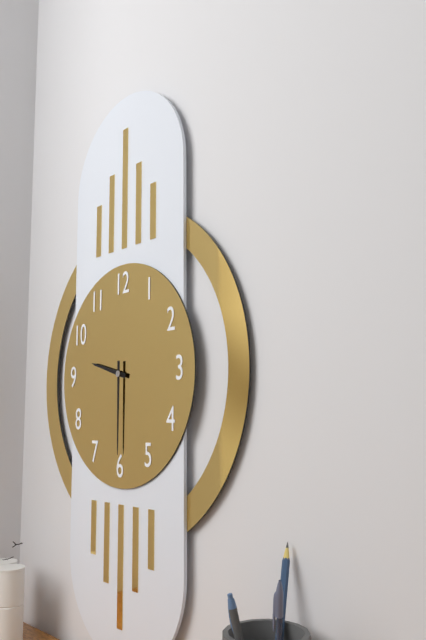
9:30
